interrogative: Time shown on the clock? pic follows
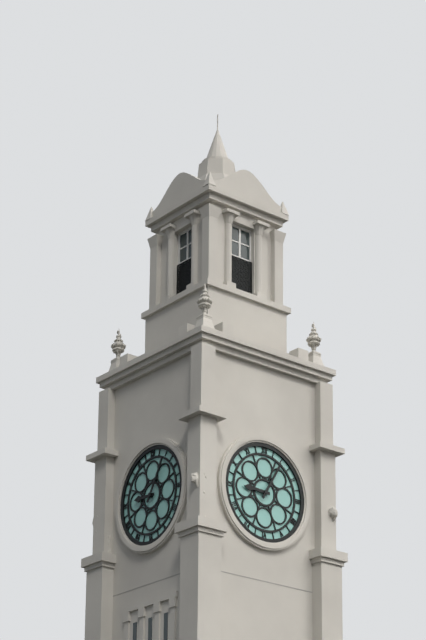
9:05
